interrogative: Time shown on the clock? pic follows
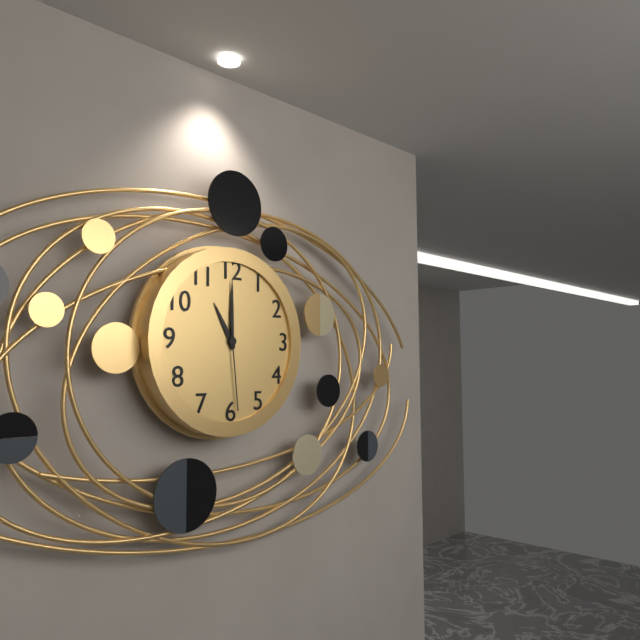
11:00:29
